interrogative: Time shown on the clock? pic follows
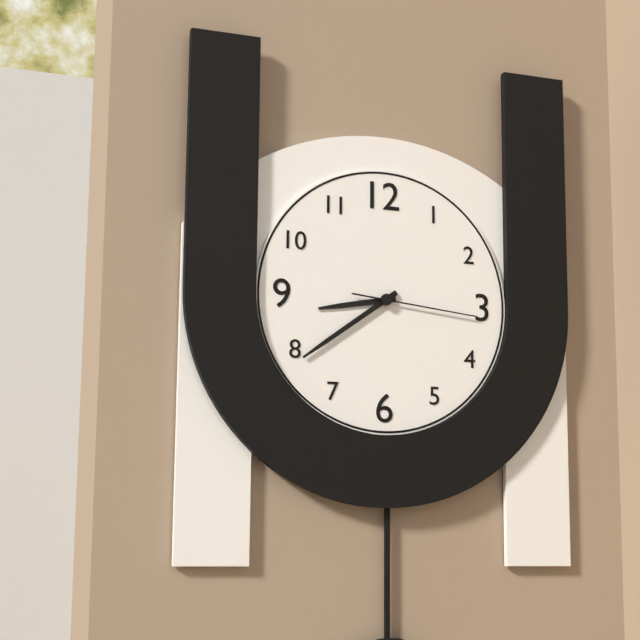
8:39:16
